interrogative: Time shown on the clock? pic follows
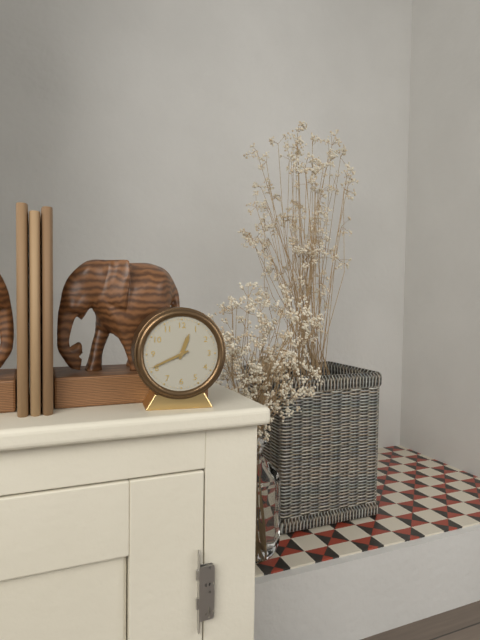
12:41
